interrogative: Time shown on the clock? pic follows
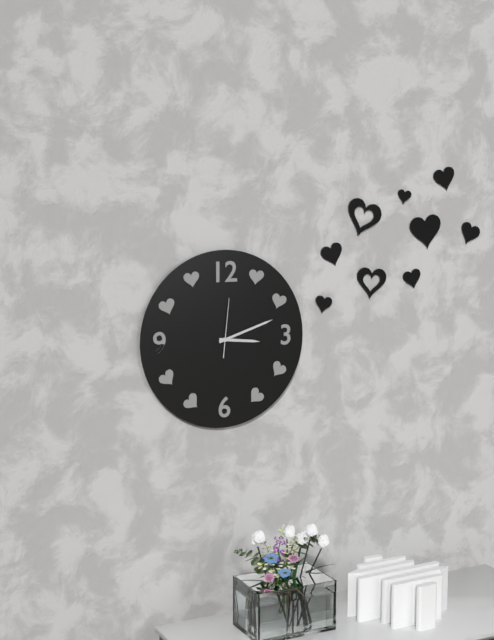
3:12:01
